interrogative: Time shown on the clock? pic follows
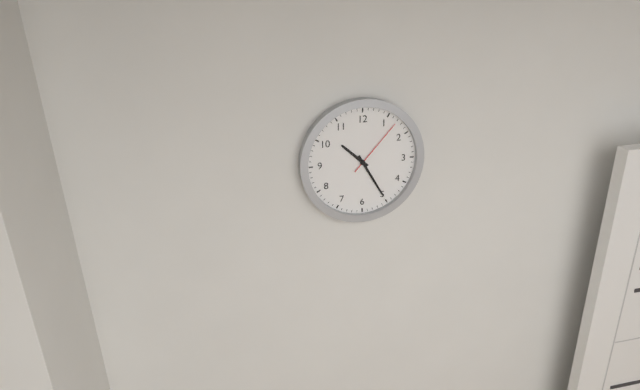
10:25:07
